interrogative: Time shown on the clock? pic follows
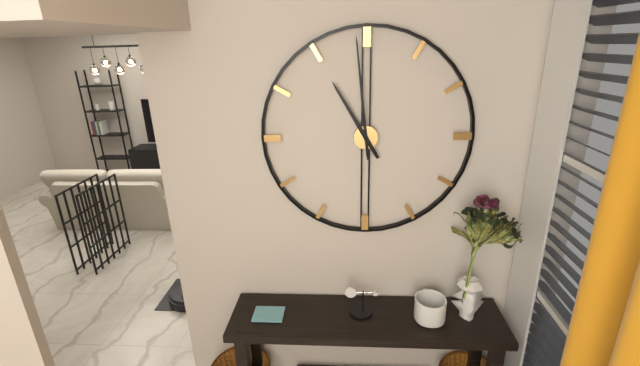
10:59
